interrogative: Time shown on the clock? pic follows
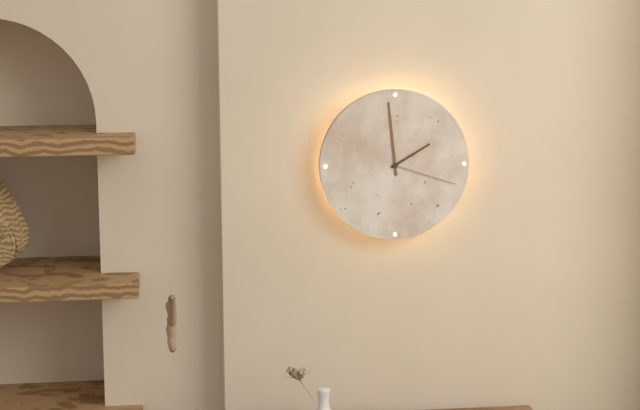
1:59:18
